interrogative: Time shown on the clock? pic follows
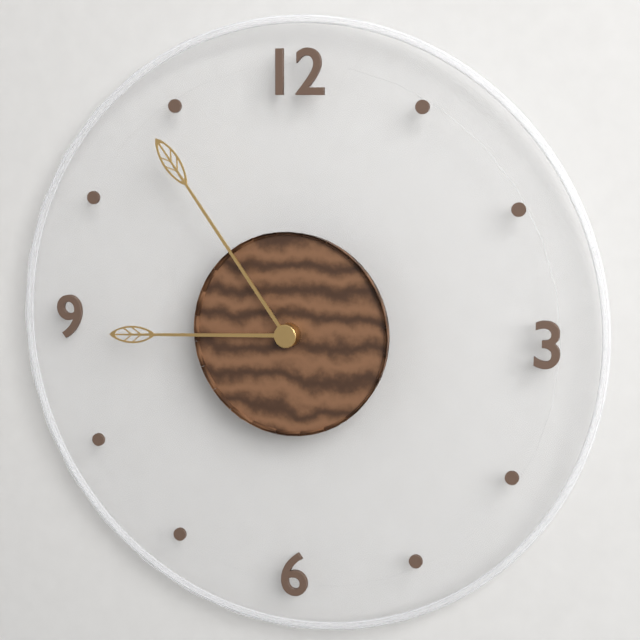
8:54
